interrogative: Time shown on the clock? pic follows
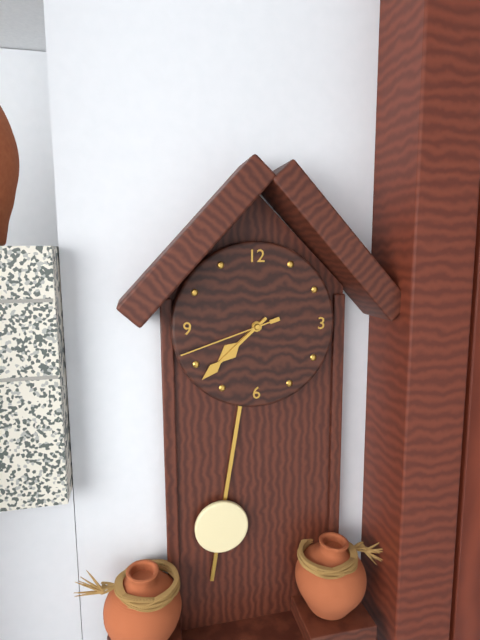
7:38:42
